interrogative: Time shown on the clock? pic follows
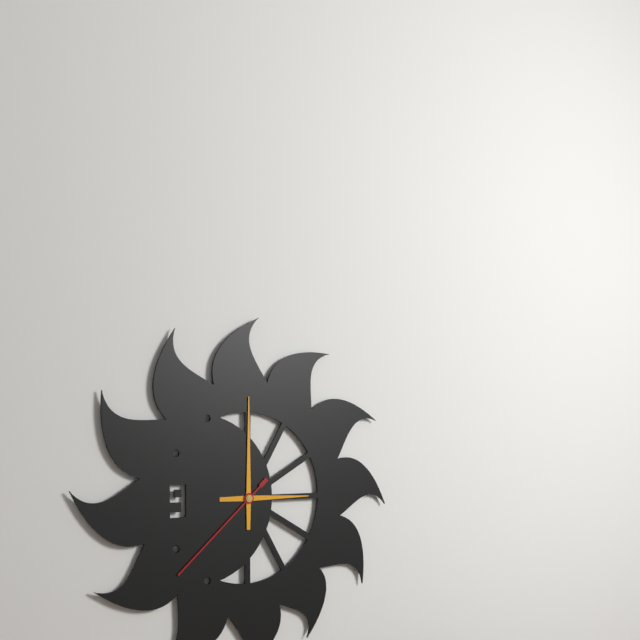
3:00:38
